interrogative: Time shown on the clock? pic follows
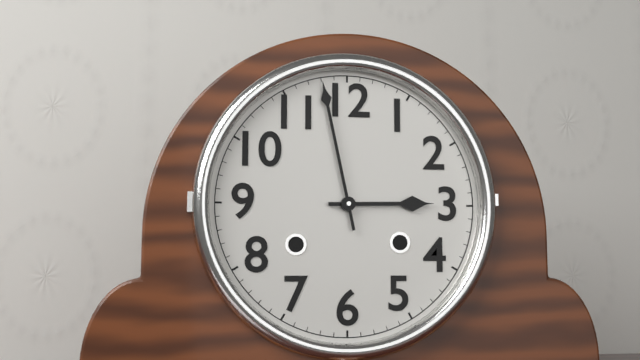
2:58
